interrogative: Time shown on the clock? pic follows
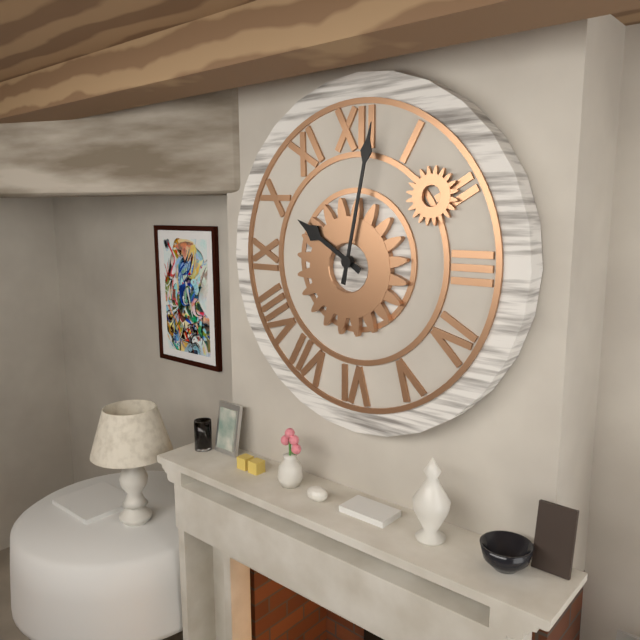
10:02
